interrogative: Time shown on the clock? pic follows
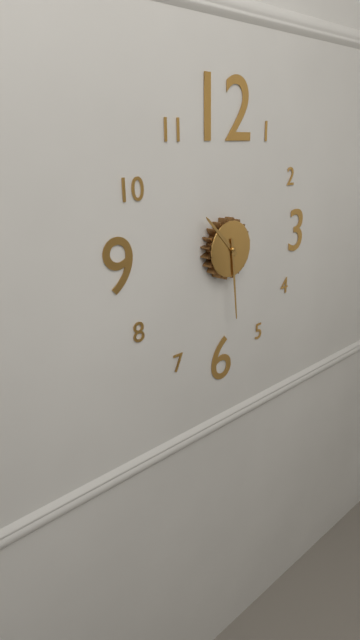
10:29
